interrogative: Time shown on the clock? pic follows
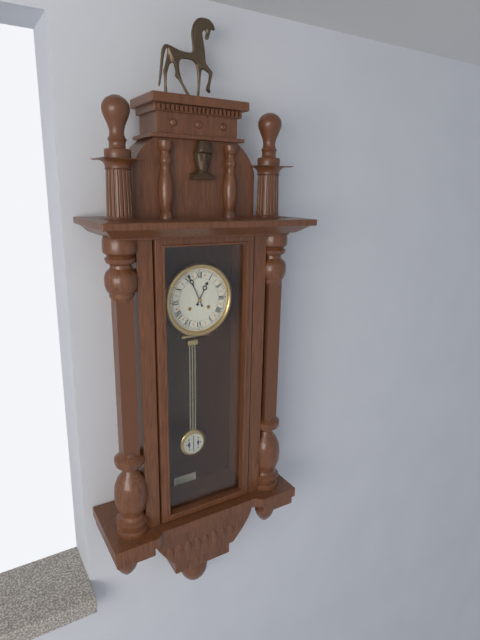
12:56
